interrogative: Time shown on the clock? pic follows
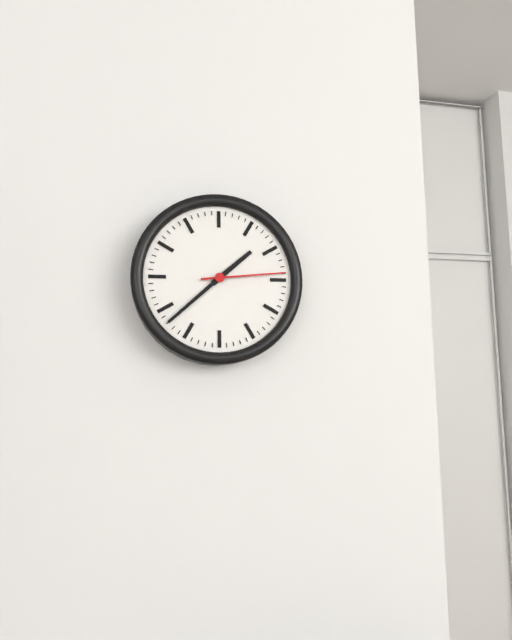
1:38:14
